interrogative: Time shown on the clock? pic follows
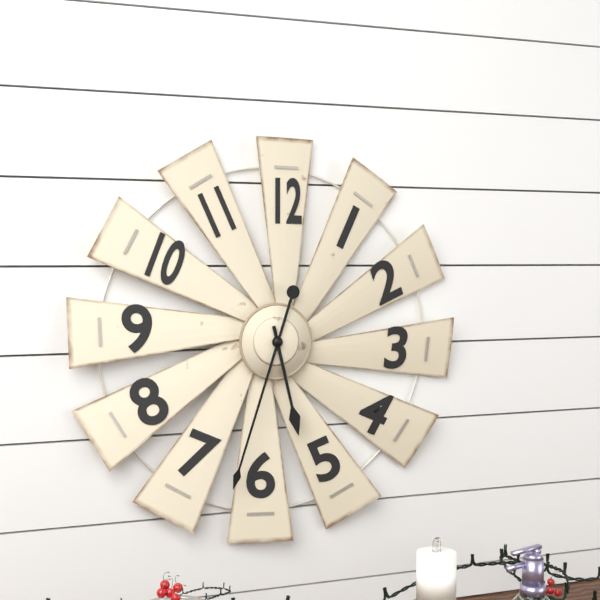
5:33
